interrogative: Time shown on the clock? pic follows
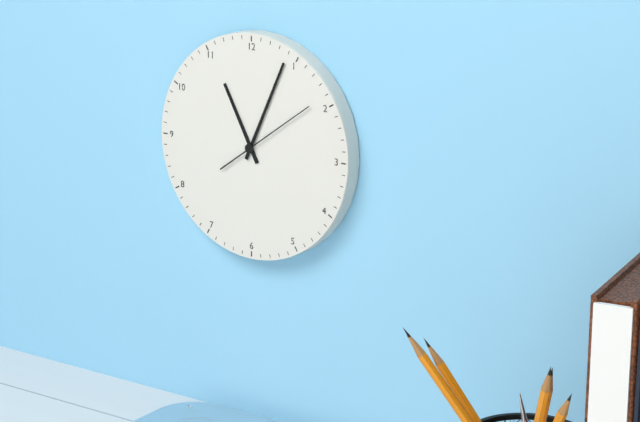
11:04:09
